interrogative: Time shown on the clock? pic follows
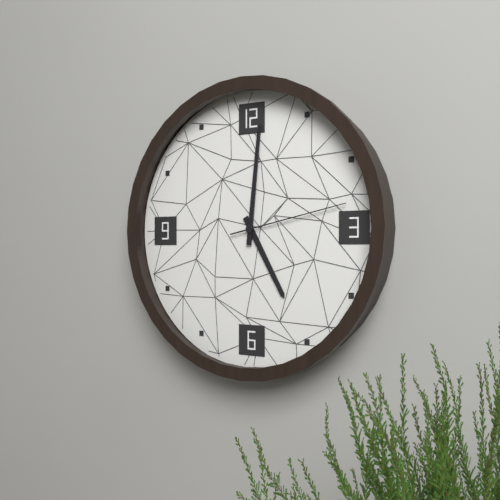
5:01:13
